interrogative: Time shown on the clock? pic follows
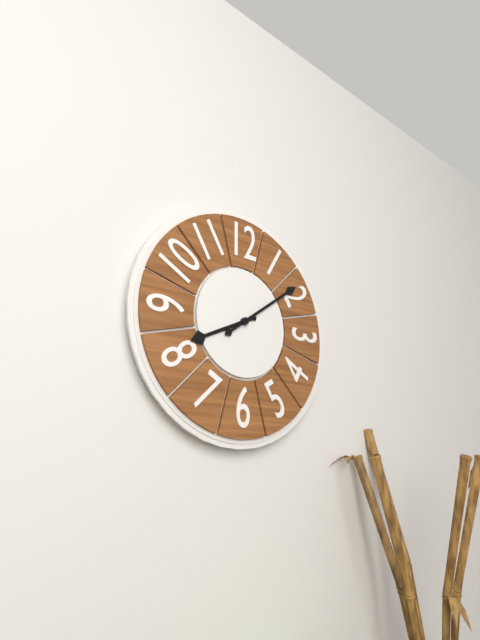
8:09
